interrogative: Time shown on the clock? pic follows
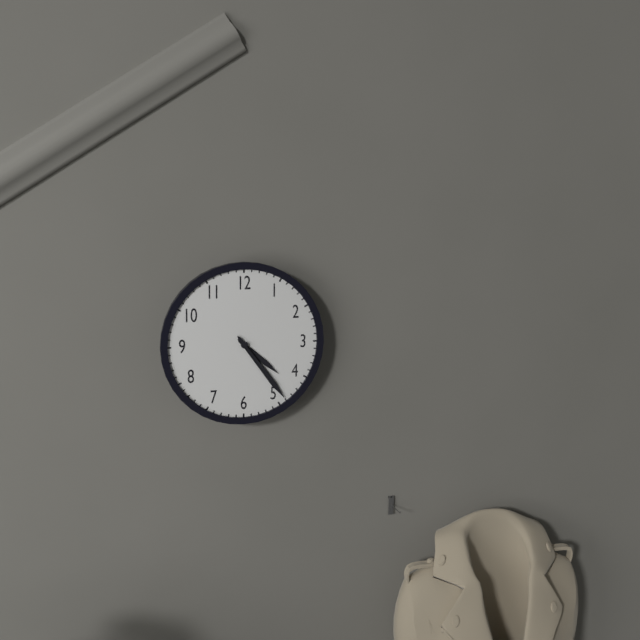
4:24
